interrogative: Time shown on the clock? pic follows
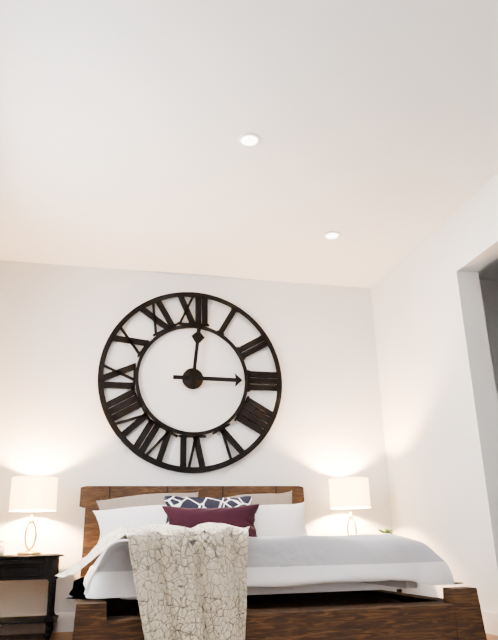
3:01
